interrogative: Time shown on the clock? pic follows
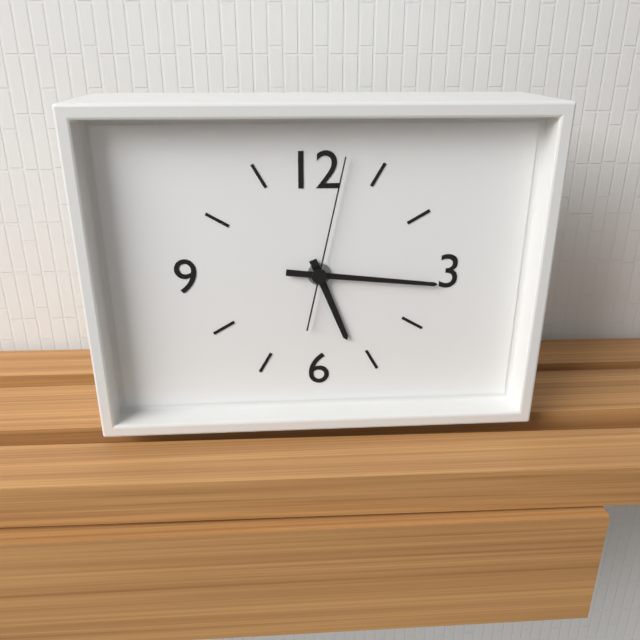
5:16:02
